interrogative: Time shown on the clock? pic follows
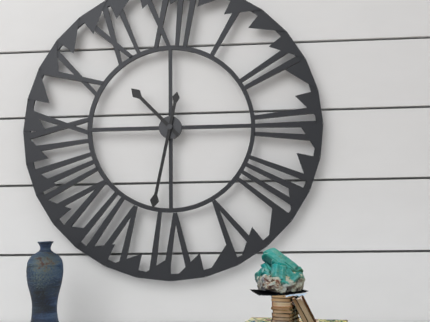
10:32
